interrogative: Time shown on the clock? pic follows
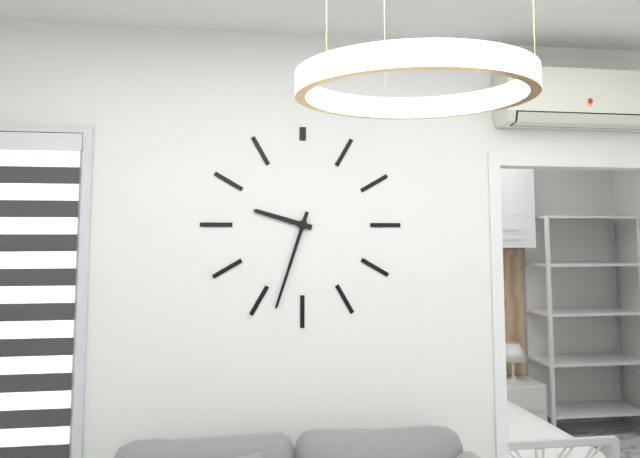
9:33
